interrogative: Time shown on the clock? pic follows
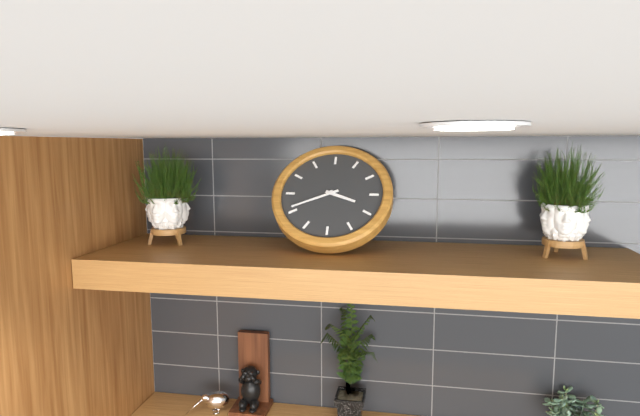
3:41
